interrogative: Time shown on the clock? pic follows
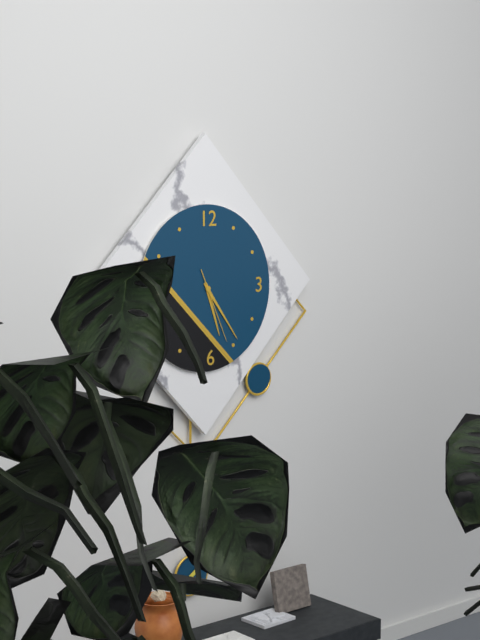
5:24:26
